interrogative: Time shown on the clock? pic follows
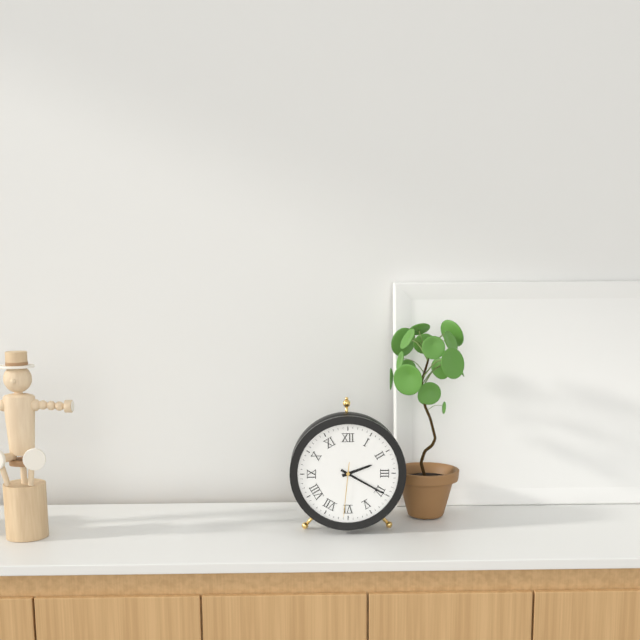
2:20:31
